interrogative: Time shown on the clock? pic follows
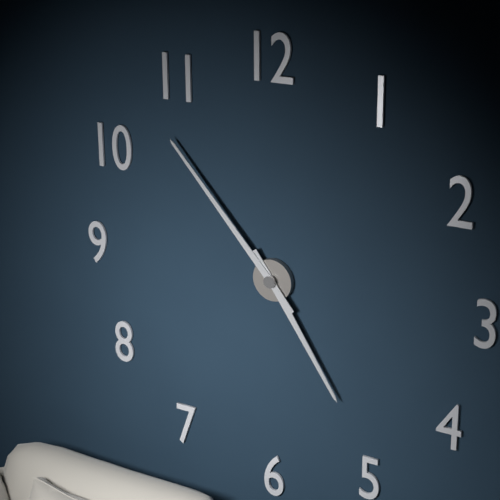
4:53
